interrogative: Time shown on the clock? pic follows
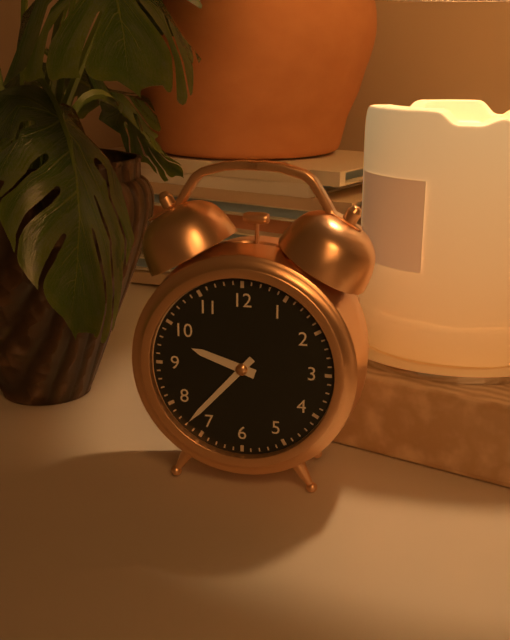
9:37
